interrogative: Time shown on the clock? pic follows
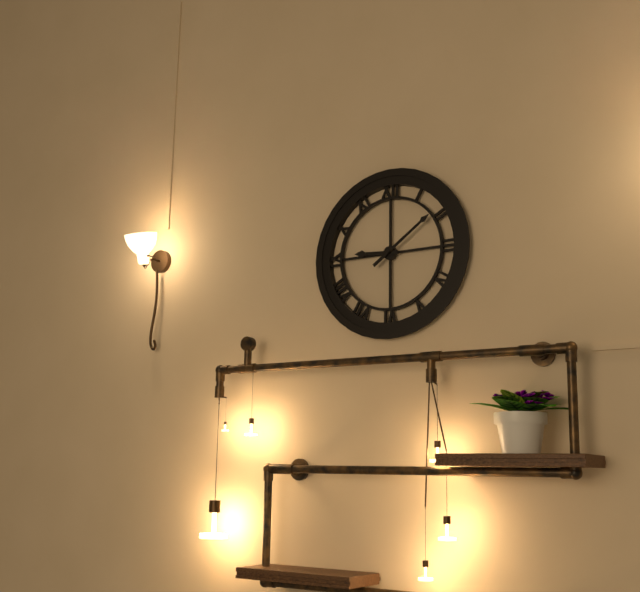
9:09
